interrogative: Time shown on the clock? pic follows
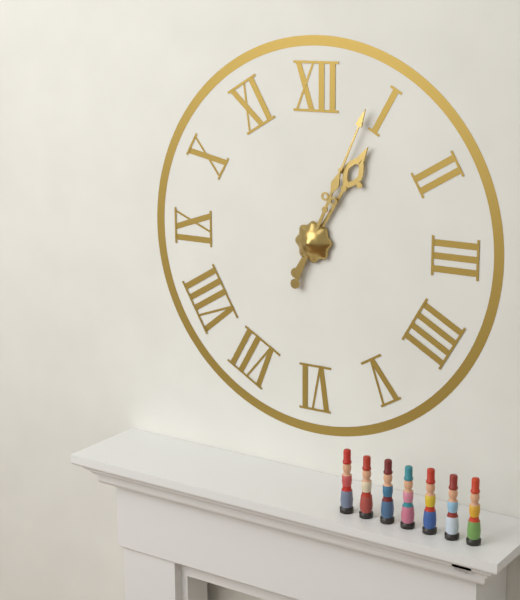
1:04
